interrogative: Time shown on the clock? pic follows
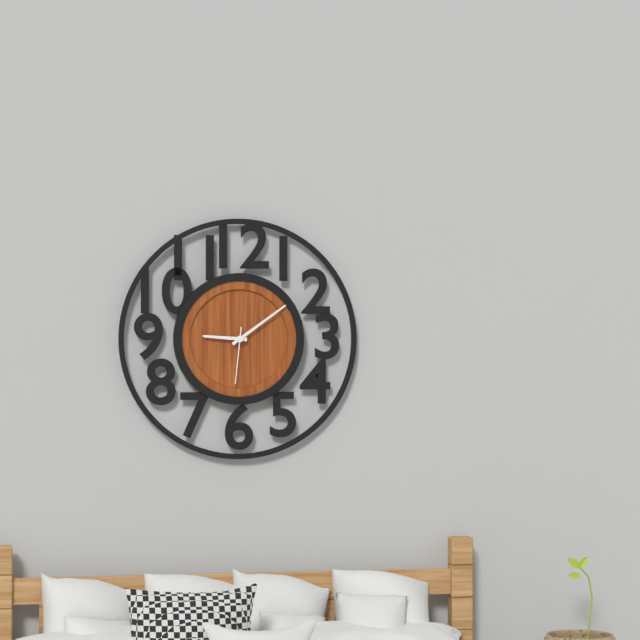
9:09:31
